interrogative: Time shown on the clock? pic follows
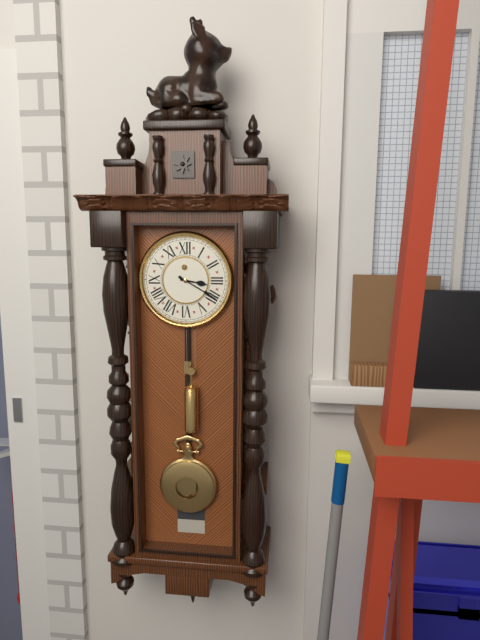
3:20
